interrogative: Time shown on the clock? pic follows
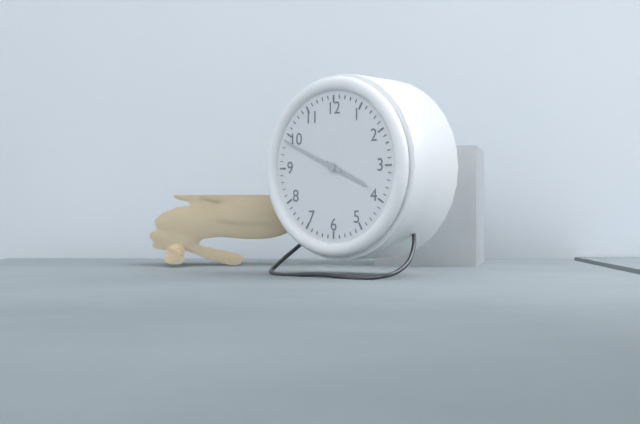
3:49
